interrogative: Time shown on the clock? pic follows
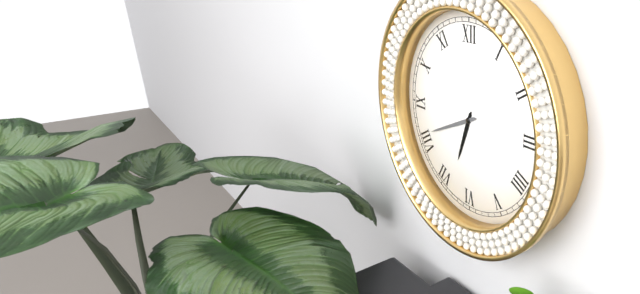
6:41
